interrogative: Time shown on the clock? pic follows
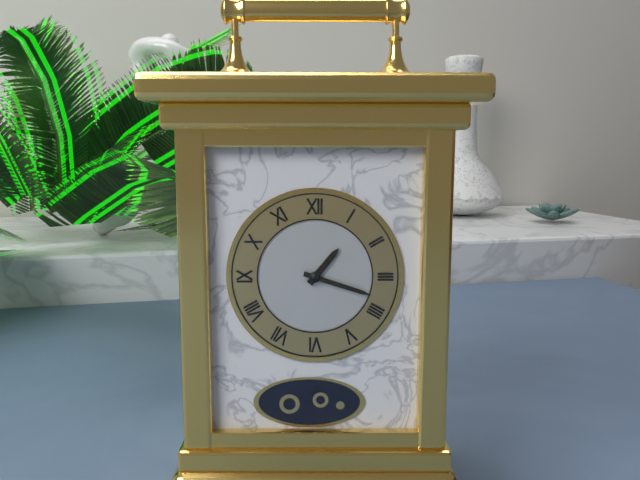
1:18
